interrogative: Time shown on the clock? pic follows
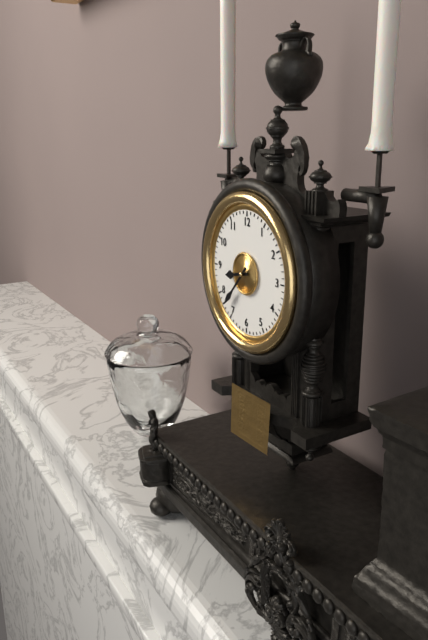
8:37
